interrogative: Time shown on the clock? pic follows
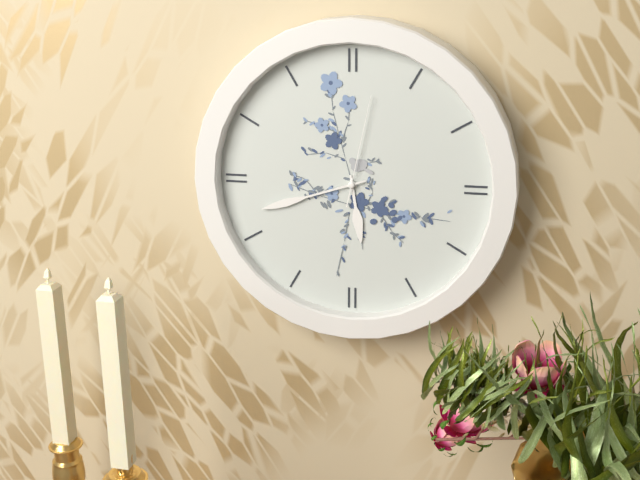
5:42:02
